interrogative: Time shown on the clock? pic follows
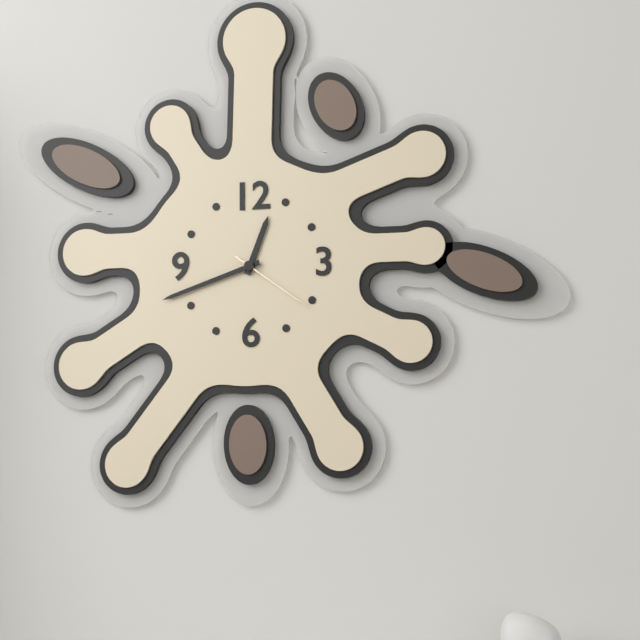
12:42:21
